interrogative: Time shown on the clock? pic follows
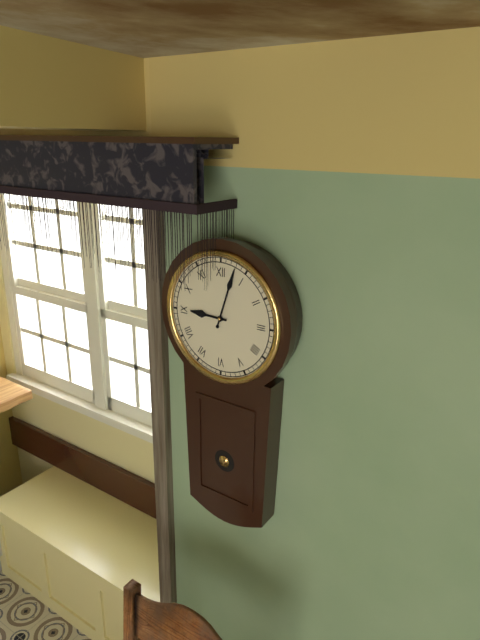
9:03
